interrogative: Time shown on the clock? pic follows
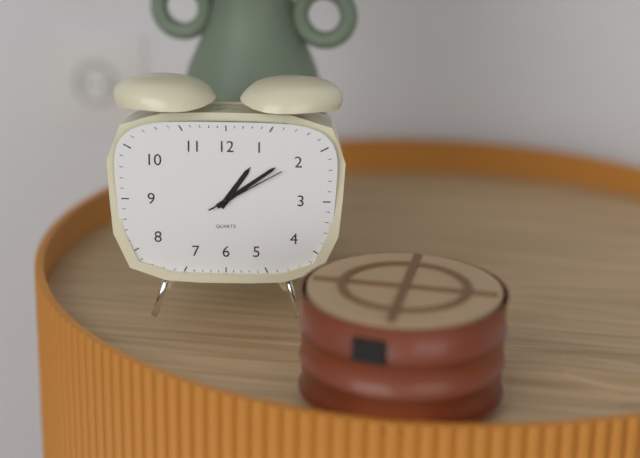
1:09:10
